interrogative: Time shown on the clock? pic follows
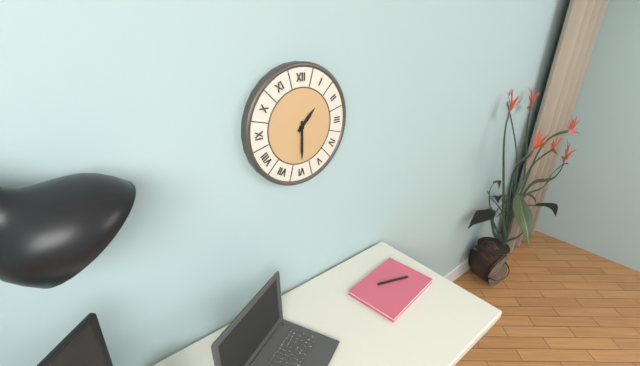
1:30
